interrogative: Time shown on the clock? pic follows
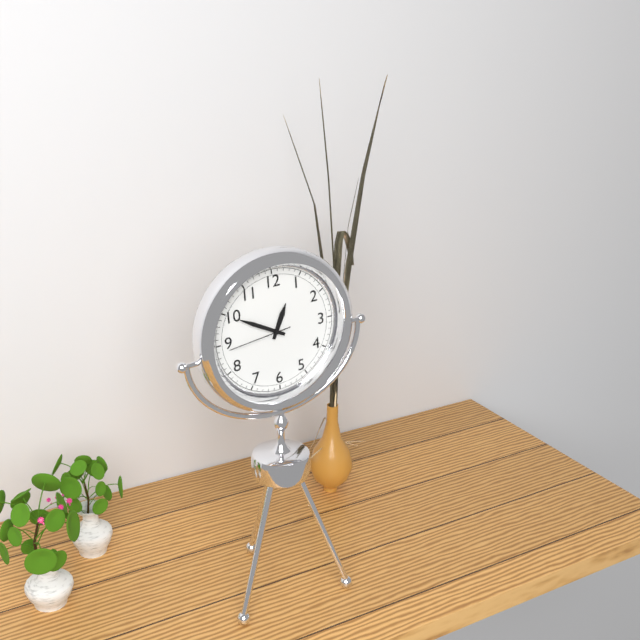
12:50:44
